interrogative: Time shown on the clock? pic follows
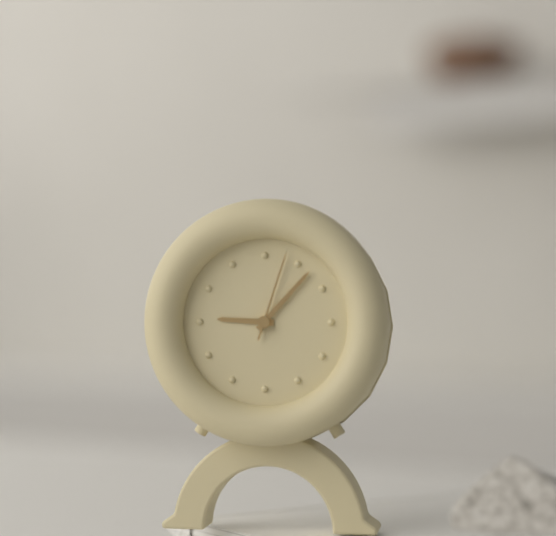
9:07:03
